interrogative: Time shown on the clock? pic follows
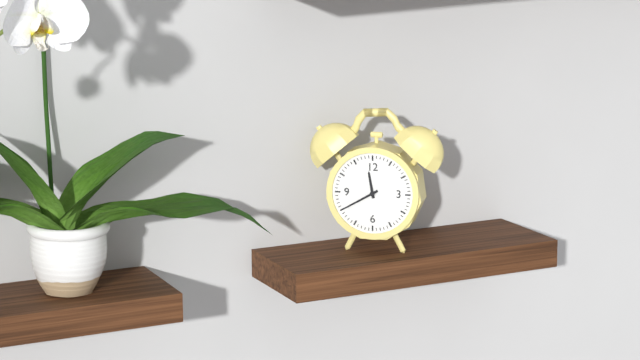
11:40
